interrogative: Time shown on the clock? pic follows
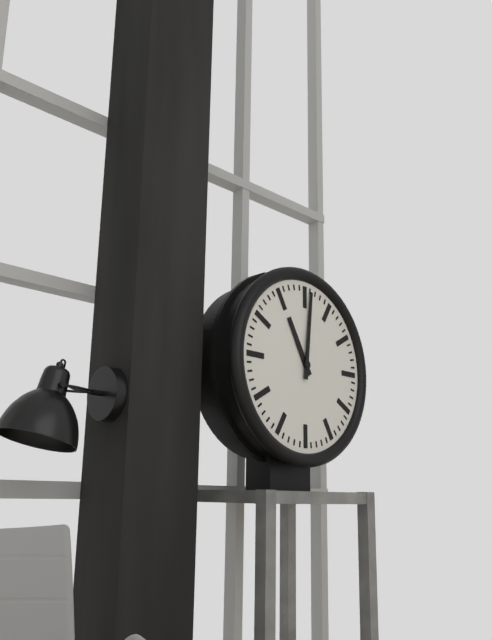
11:01
